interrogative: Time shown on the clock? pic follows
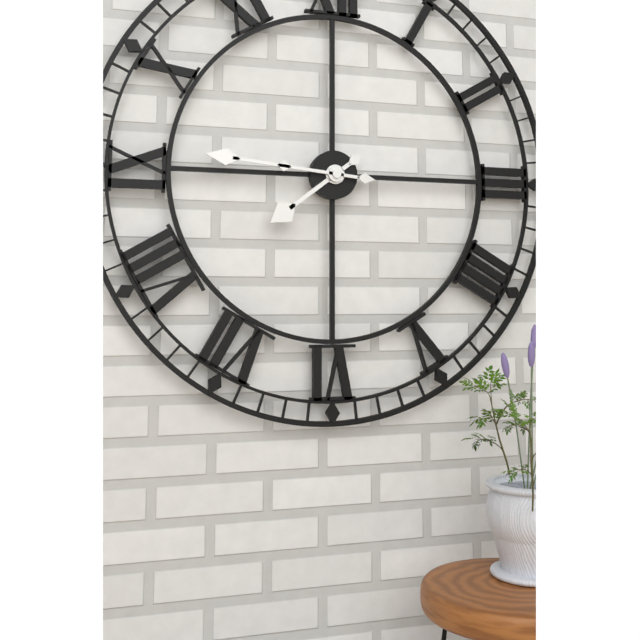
7:46
